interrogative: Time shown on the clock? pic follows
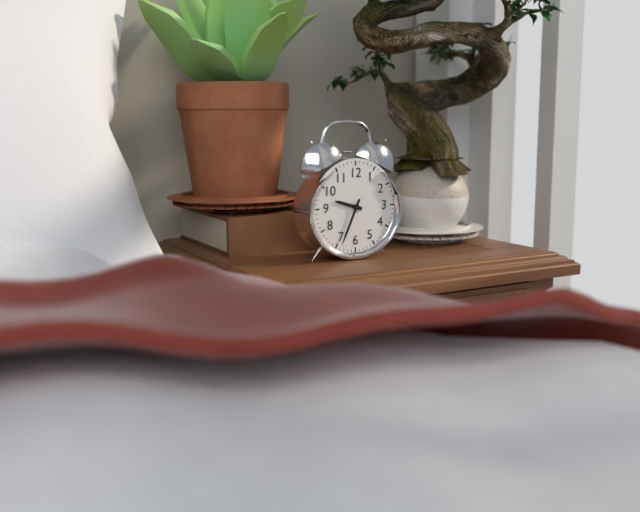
9:34
